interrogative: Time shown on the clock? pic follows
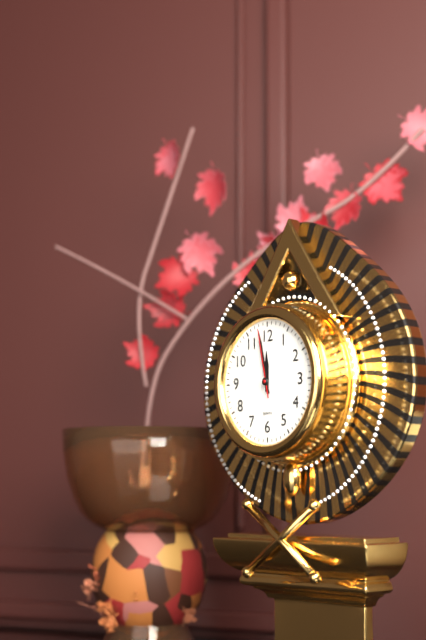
11:58:58
